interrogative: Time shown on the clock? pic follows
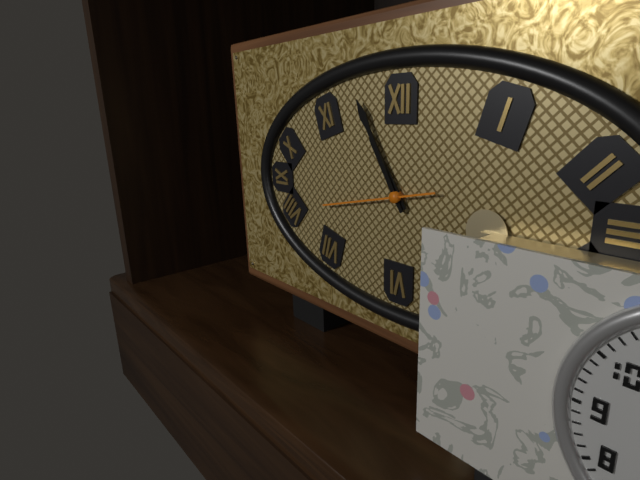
10:55:43
